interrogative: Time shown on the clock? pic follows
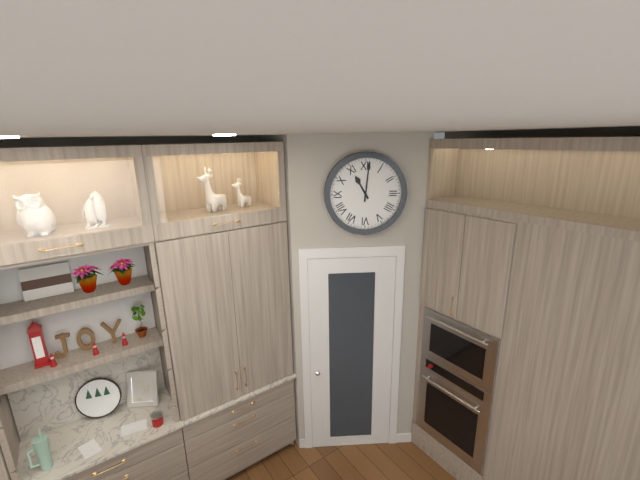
11:01
